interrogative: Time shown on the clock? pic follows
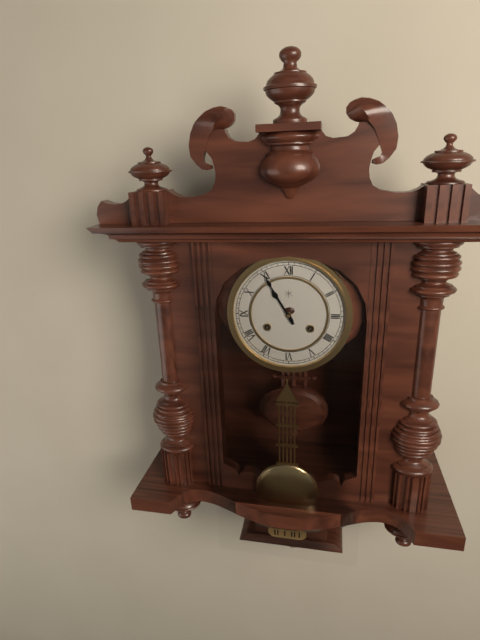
10:55
